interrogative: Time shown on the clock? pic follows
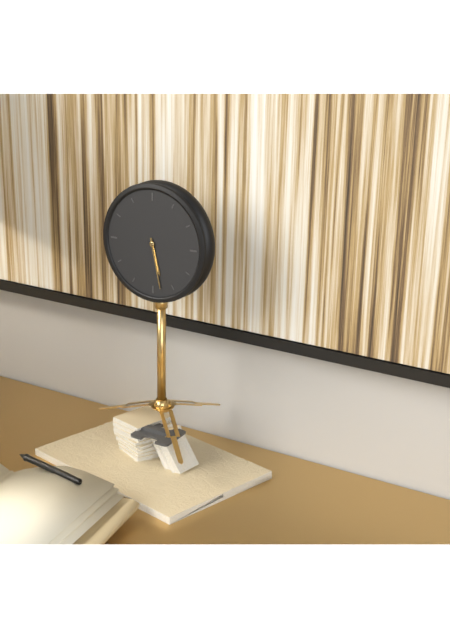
5:28
